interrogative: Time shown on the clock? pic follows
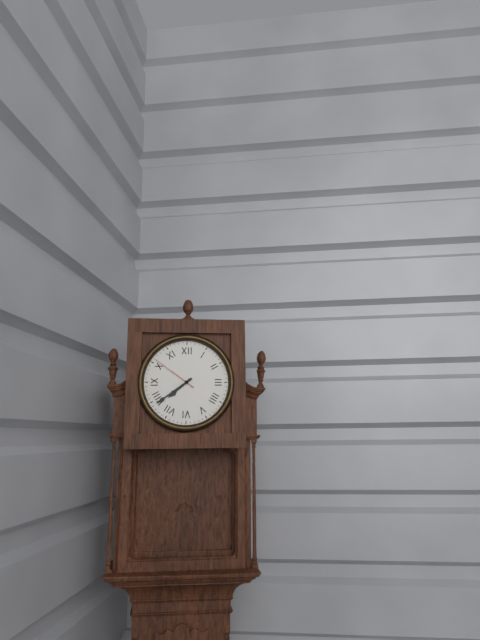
7:39
